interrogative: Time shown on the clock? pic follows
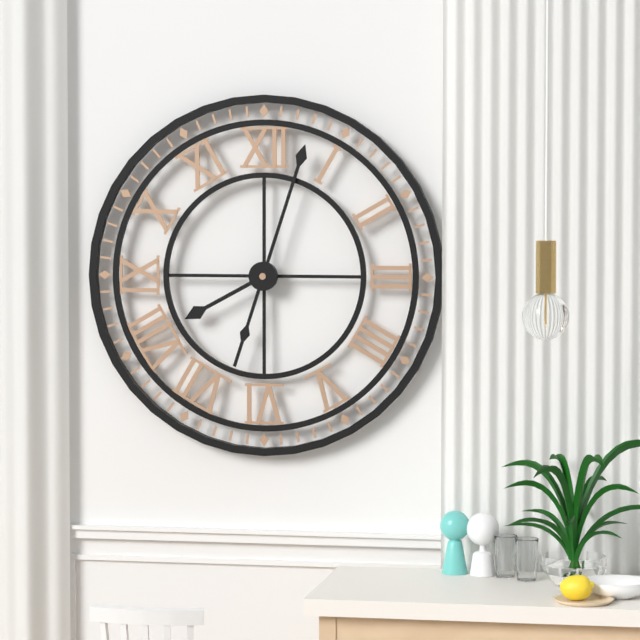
8:03
